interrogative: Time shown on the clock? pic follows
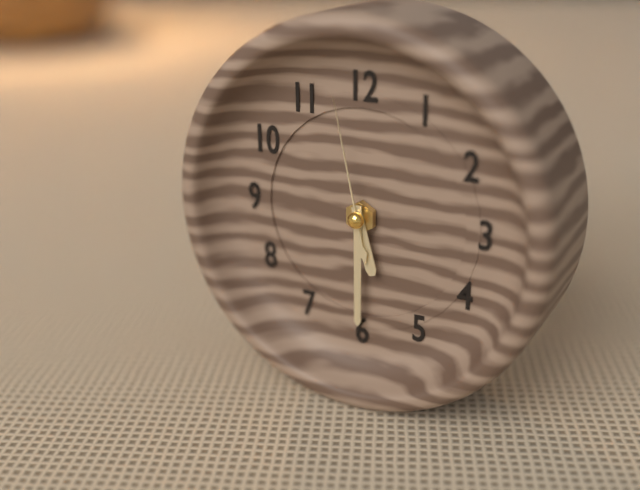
5:30:58
